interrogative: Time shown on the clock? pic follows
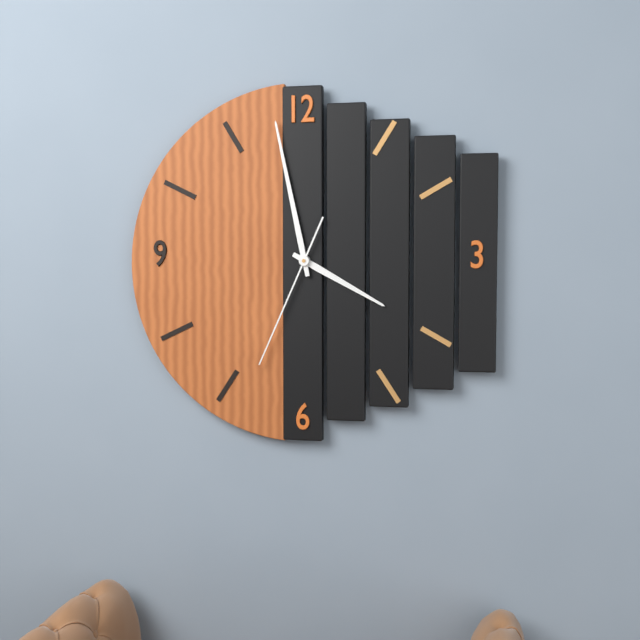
3:58:34
